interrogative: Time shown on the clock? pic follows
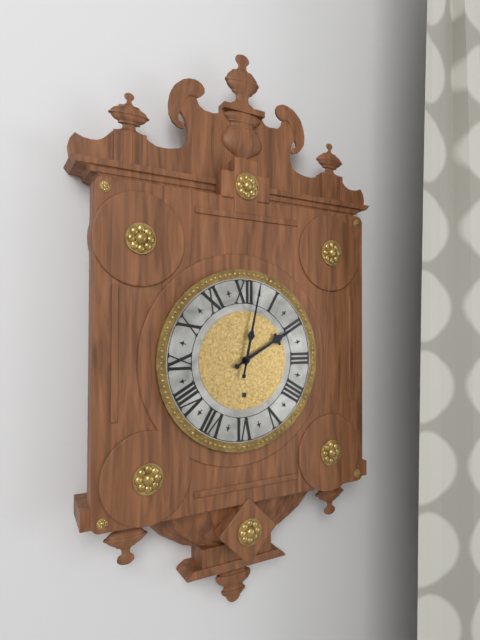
2:02
